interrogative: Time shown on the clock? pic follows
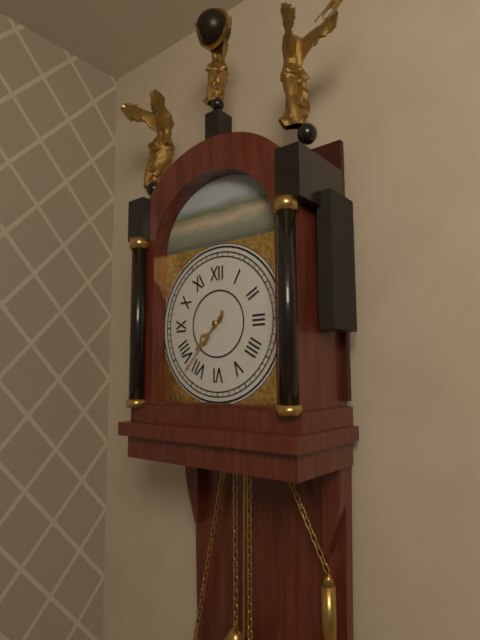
7:37
